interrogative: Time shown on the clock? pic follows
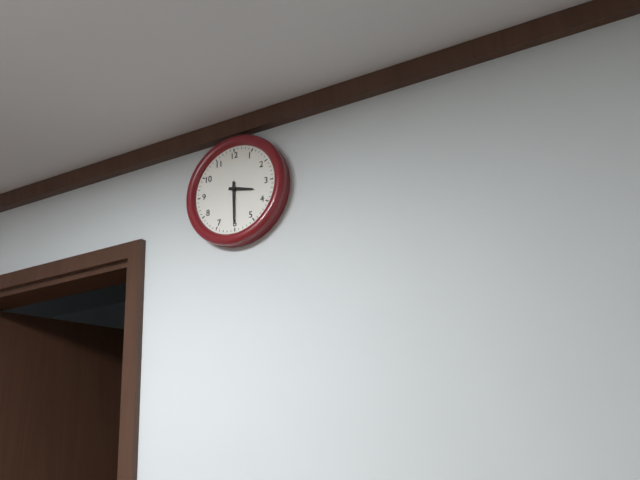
3:30
